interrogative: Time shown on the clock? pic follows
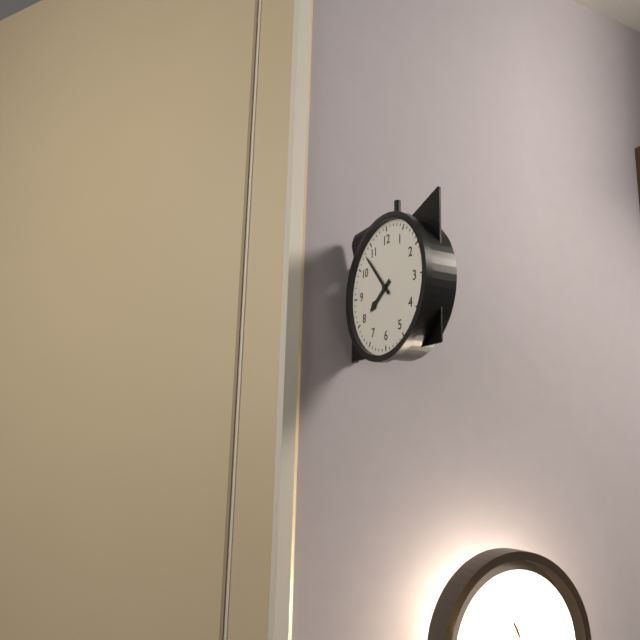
7:53
